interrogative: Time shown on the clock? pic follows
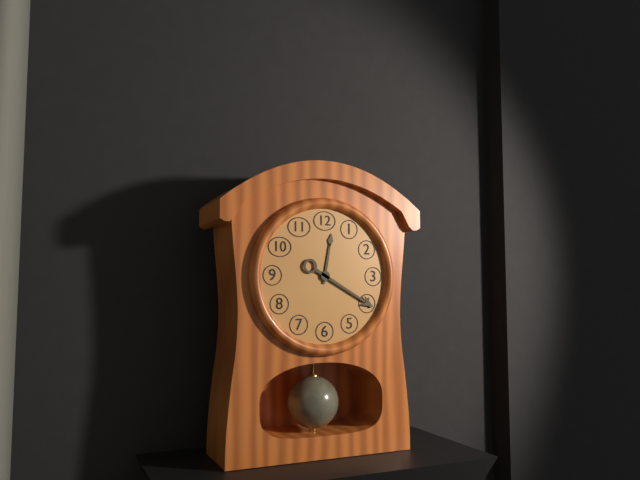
12:20
